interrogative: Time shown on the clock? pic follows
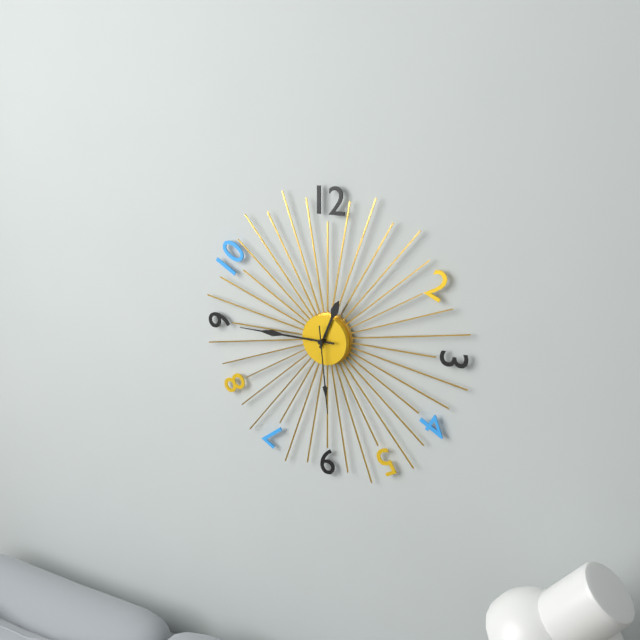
12:45:29
